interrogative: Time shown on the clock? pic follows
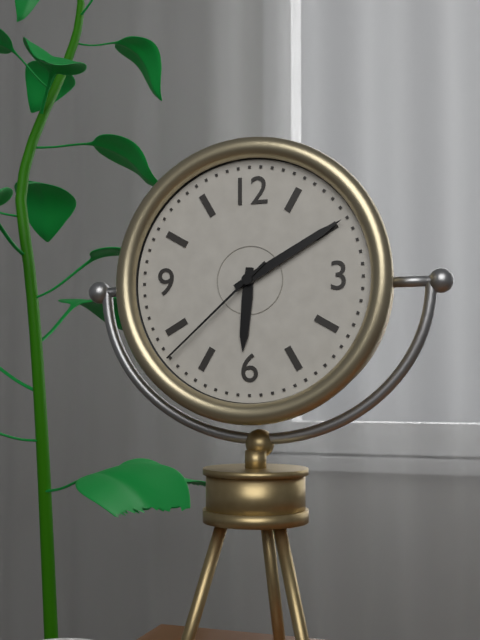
6:10:38
